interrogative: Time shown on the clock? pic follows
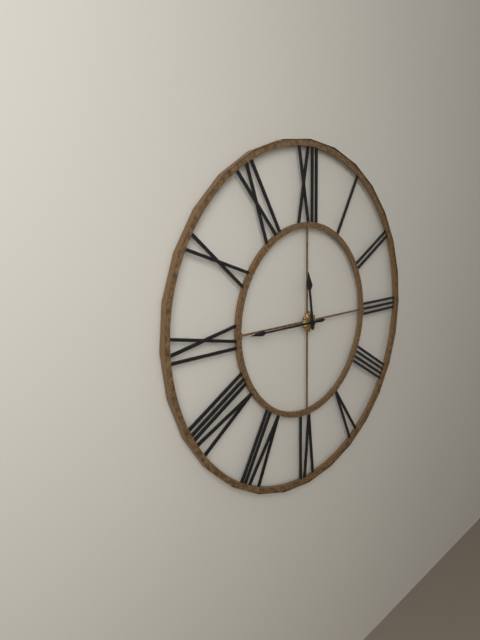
11:45
